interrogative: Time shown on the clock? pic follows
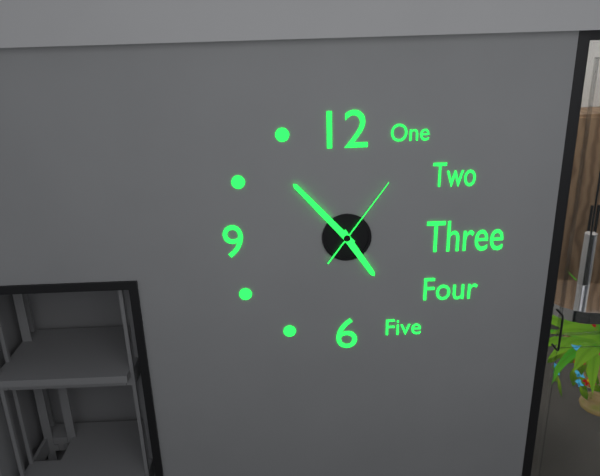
4:53:06
